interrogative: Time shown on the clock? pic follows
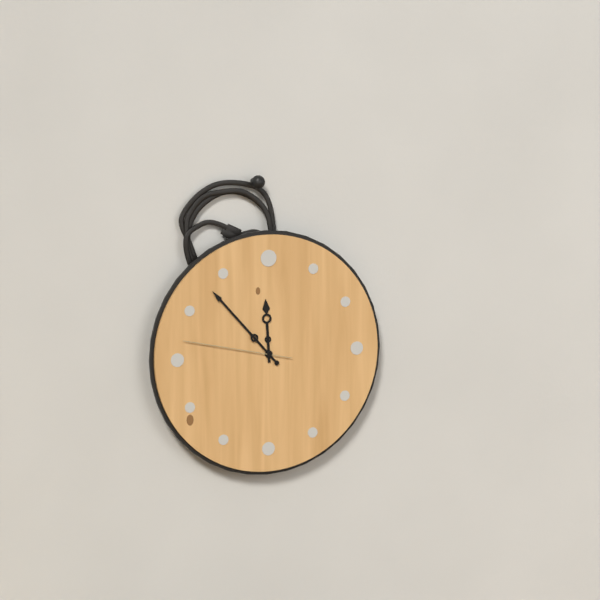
11:53:47
